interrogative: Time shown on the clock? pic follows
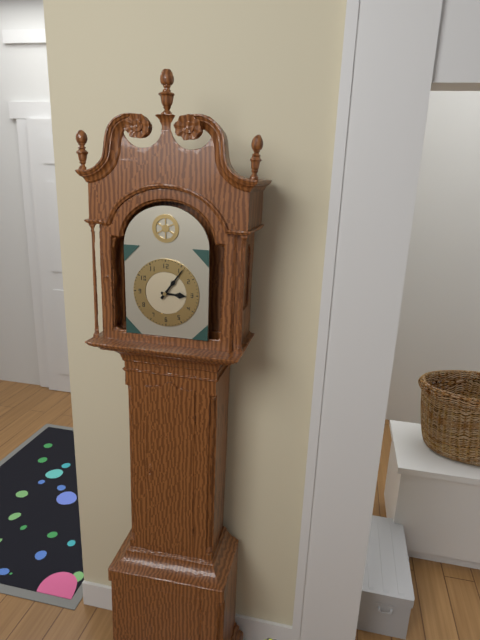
3:06
